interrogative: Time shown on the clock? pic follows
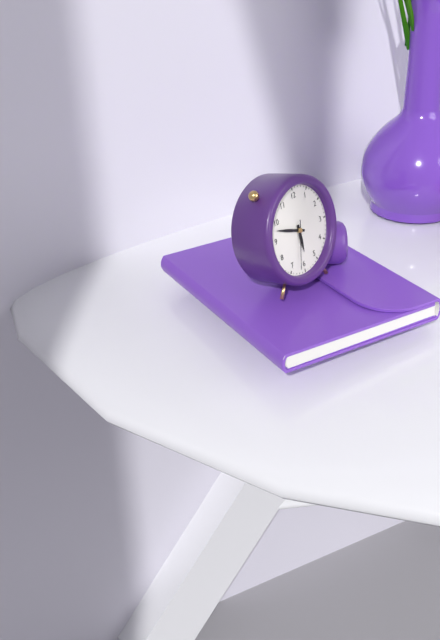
5:48
